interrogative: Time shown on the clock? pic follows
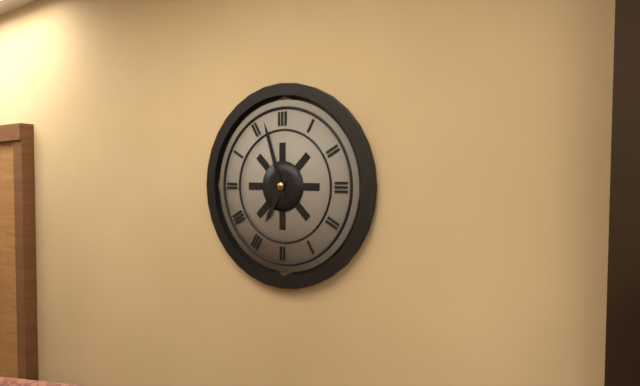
6:57
